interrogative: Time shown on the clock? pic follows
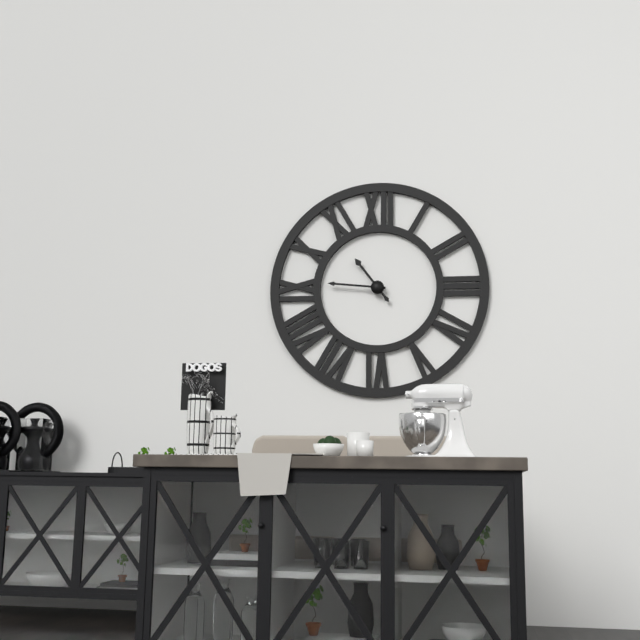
10:46
